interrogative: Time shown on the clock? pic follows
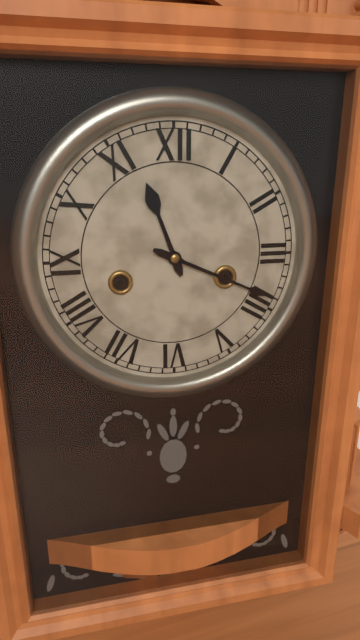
11:19
